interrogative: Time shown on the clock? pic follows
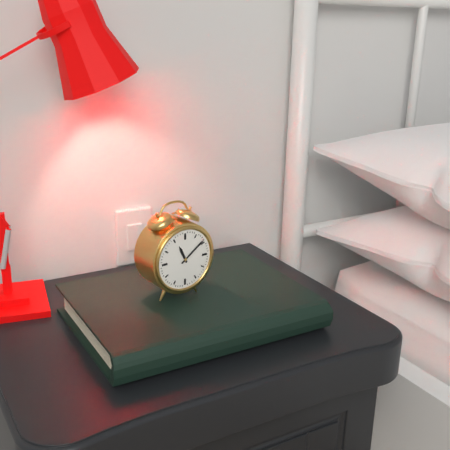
11:09
